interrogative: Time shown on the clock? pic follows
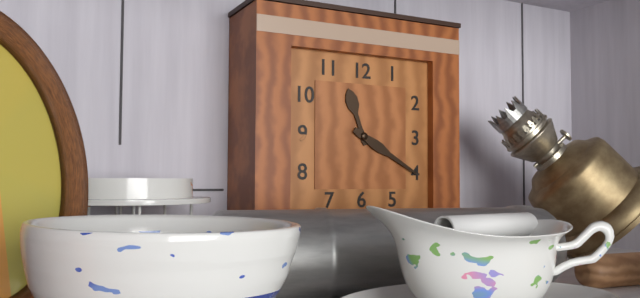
11:20
